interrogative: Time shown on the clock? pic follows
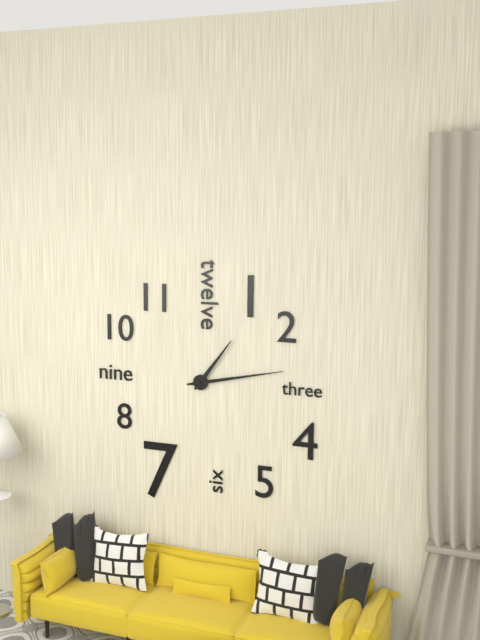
1:13
